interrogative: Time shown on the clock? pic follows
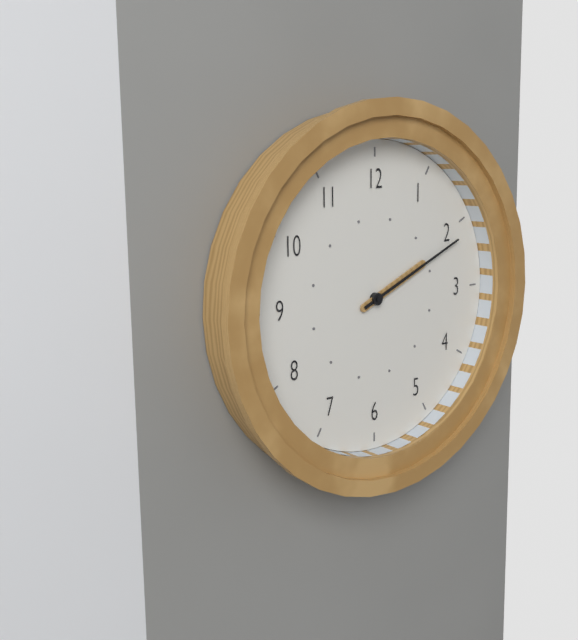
2:11
